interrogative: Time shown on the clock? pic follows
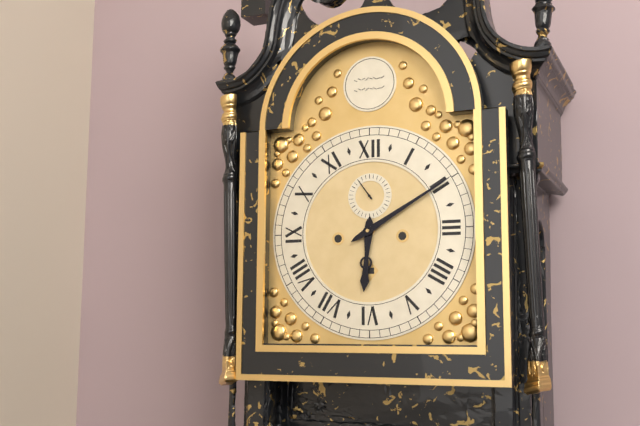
6:10
